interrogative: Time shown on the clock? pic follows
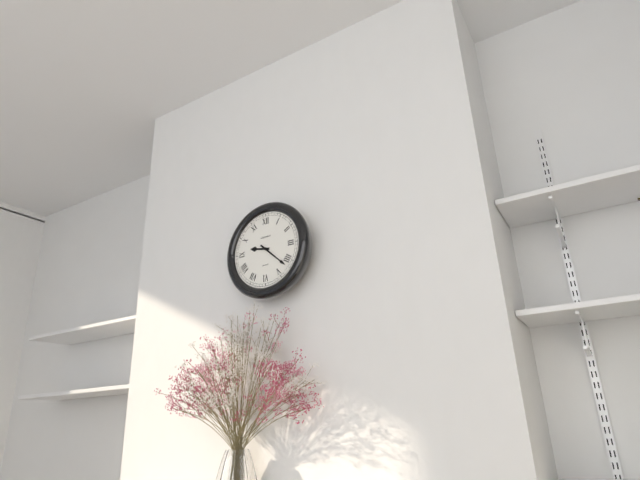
9:22
